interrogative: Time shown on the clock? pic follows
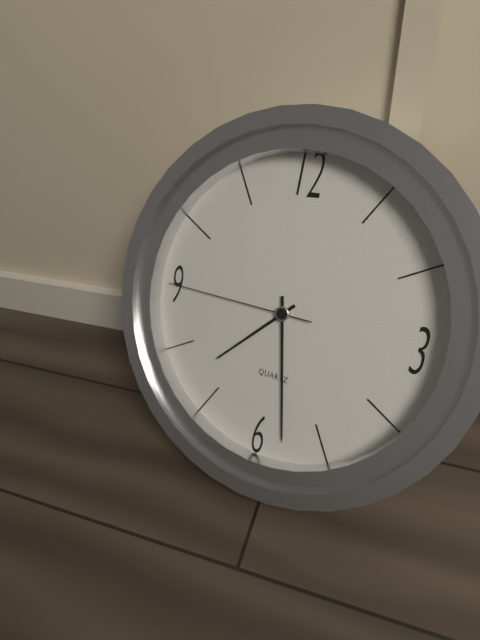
7:28:45
